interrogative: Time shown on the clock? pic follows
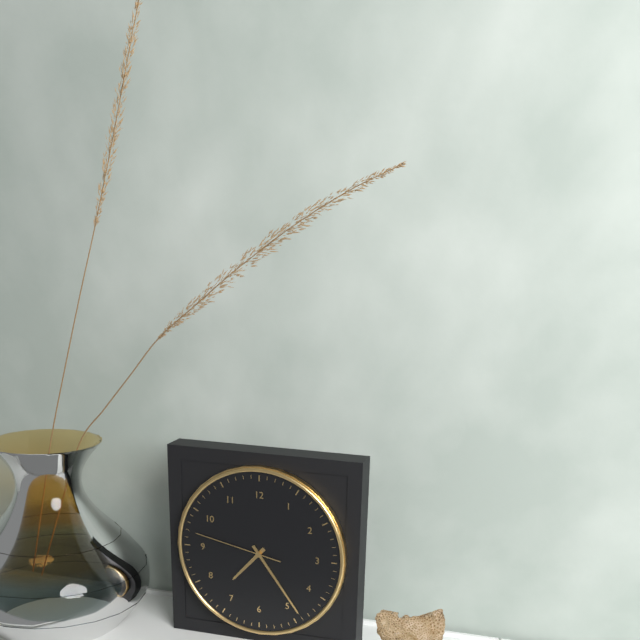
7:24:47
